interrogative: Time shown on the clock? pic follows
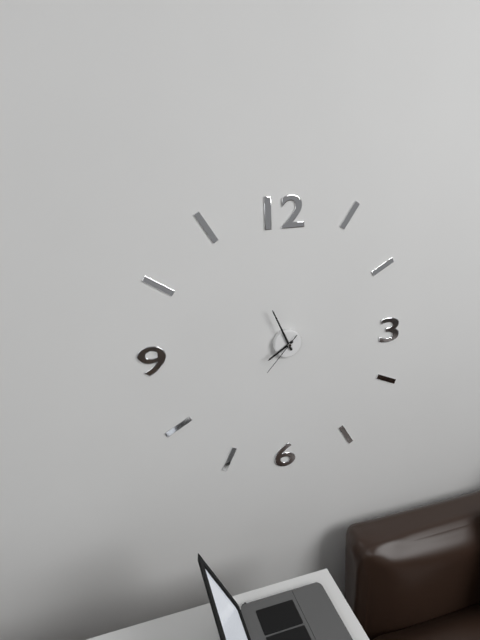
7:56
